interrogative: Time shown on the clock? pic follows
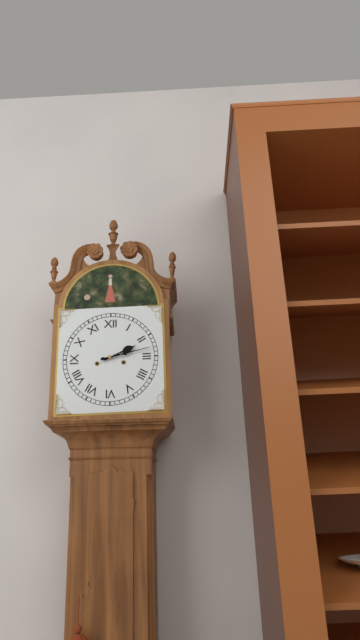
2:13
